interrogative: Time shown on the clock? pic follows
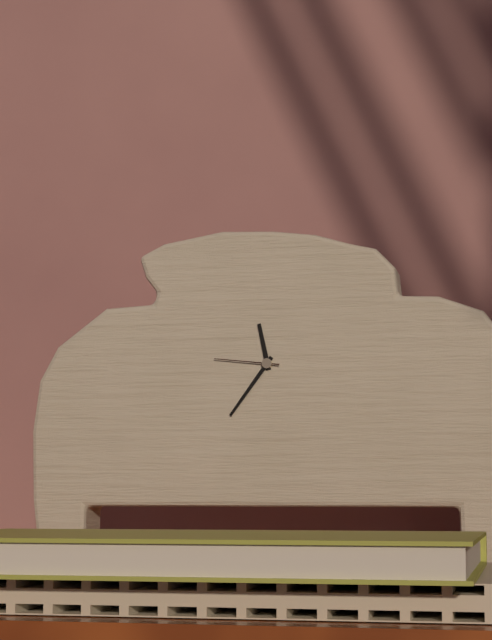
11:36:46
